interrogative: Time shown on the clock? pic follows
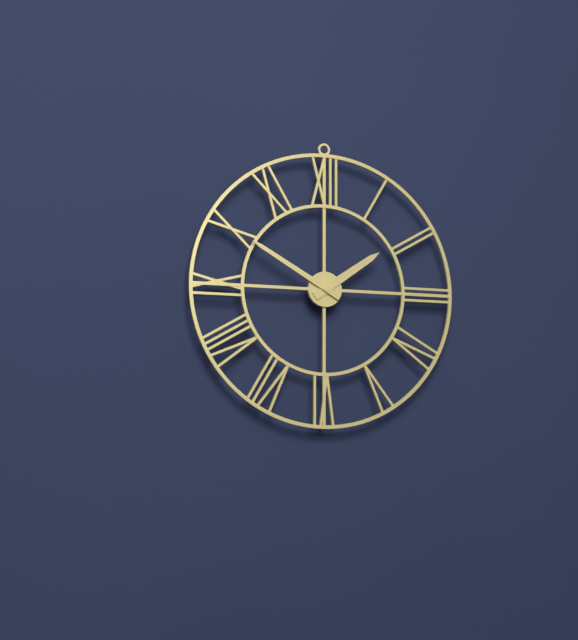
1:50
